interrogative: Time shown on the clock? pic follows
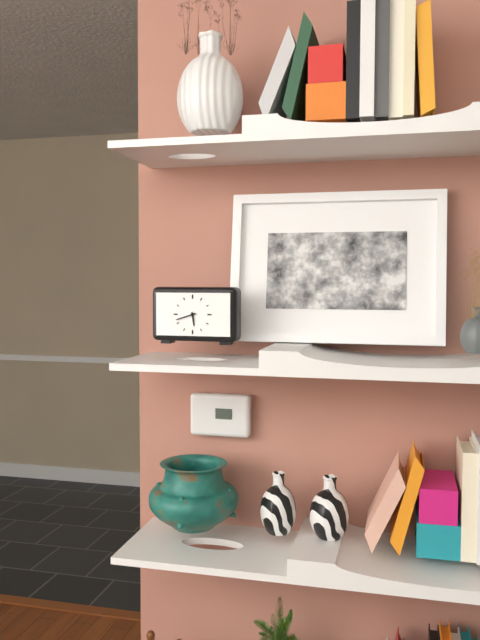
5:42
